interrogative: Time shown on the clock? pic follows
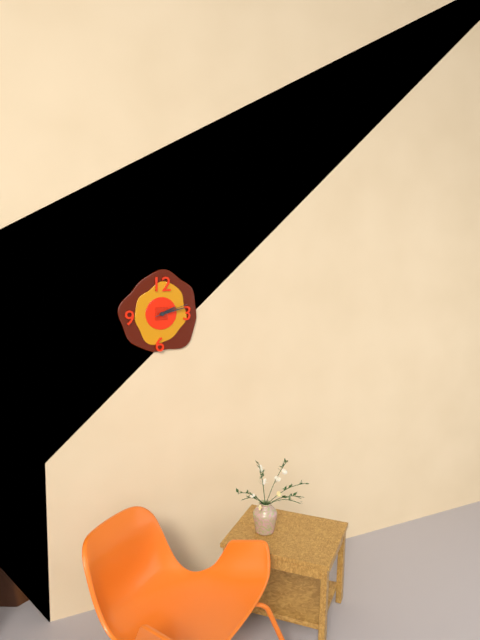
2:13
